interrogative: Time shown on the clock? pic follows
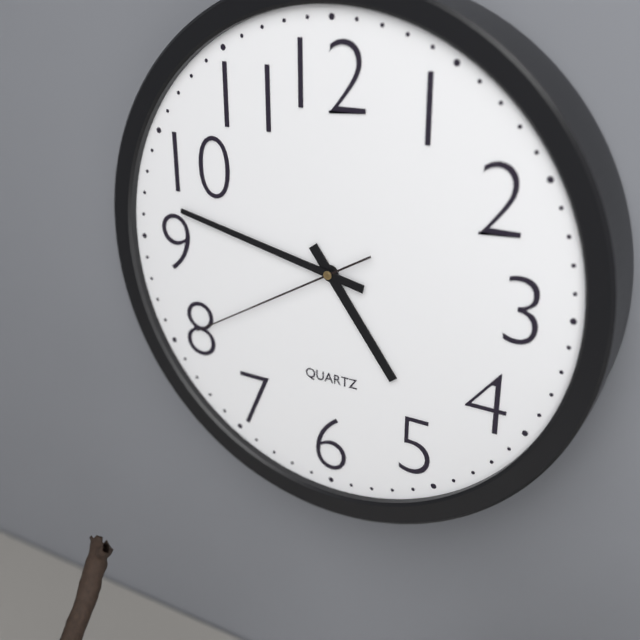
4:47:40
